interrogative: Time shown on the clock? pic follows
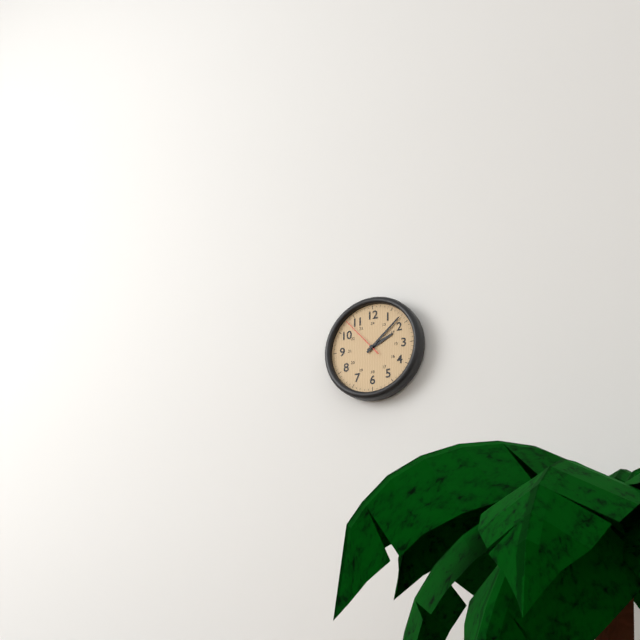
2:08
